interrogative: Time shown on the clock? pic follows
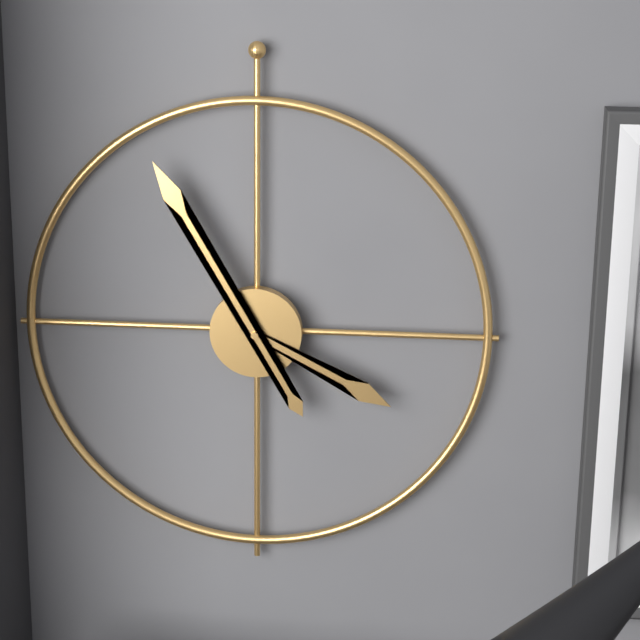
3:55
